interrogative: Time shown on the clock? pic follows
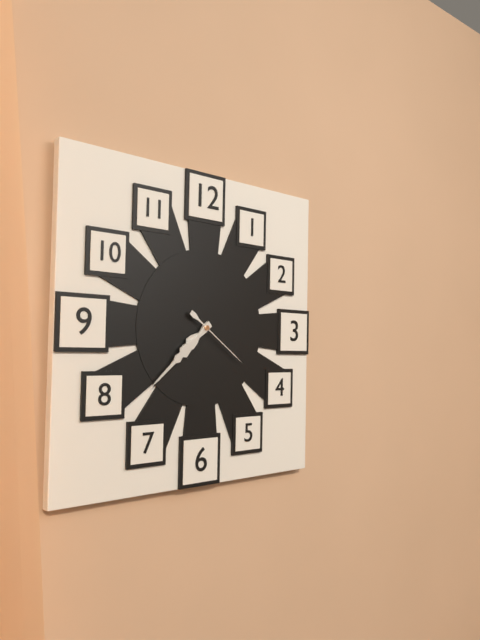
7:38:21
